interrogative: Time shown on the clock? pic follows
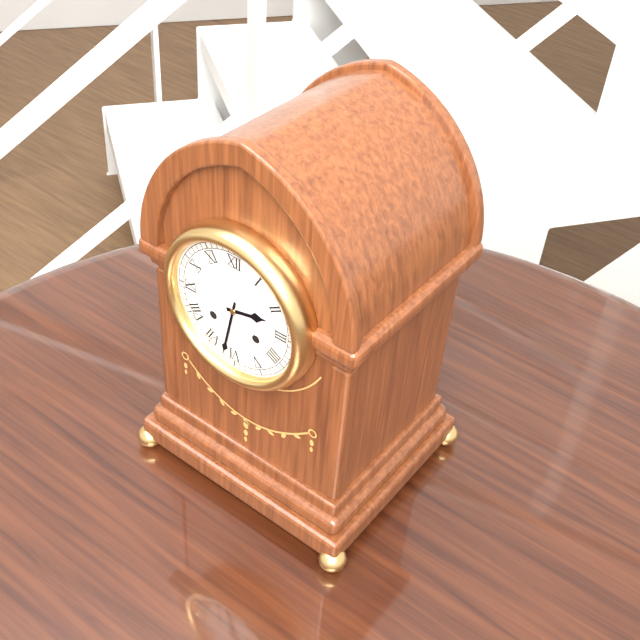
2:32
